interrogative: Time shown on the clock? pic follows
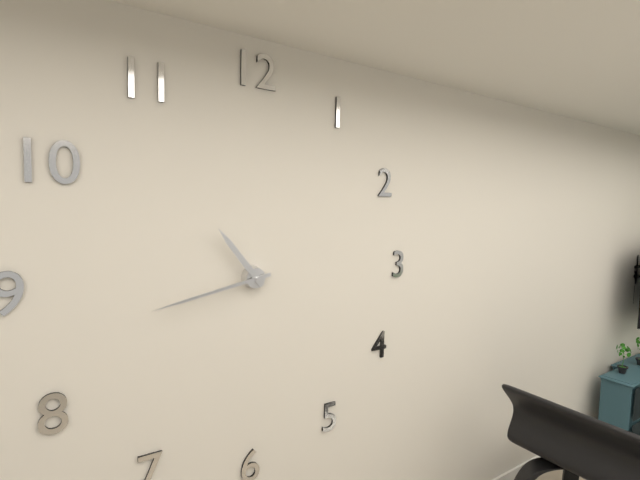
10:43
